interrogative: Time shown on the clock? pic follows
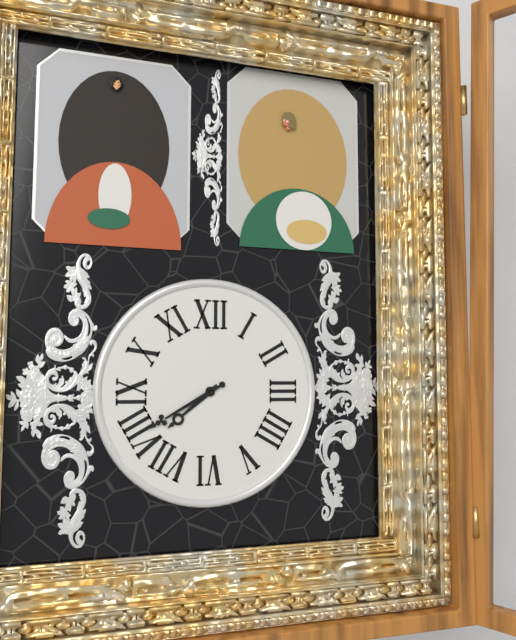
7:40
